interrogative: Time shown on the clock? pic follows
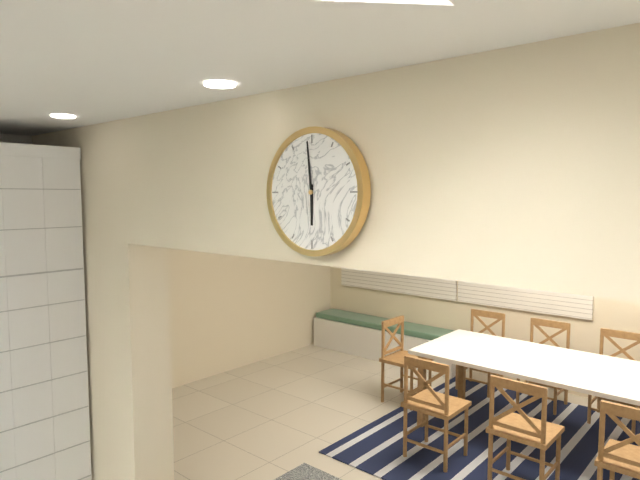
5:59
